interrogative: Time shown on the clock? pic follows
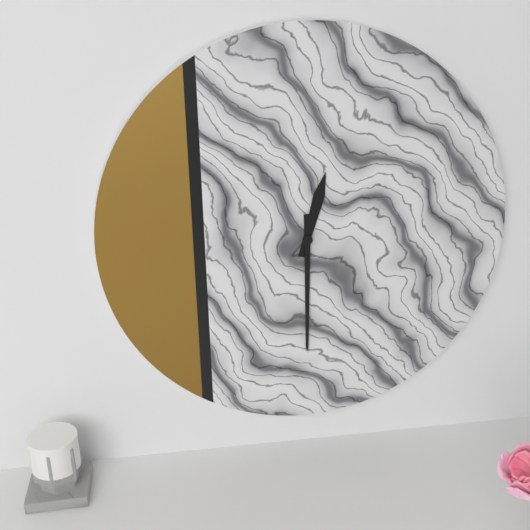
12:30
